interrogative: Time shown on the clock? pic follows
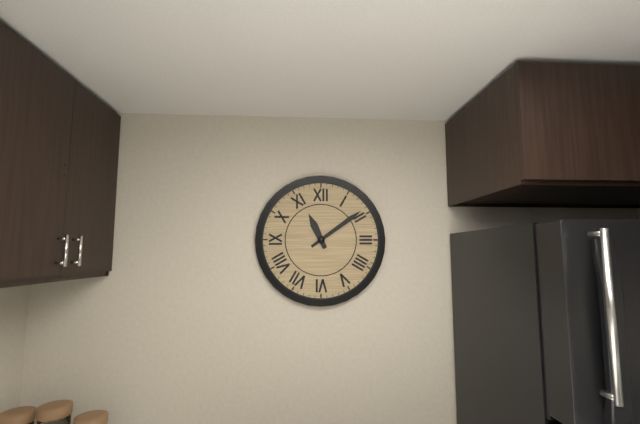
11:09
